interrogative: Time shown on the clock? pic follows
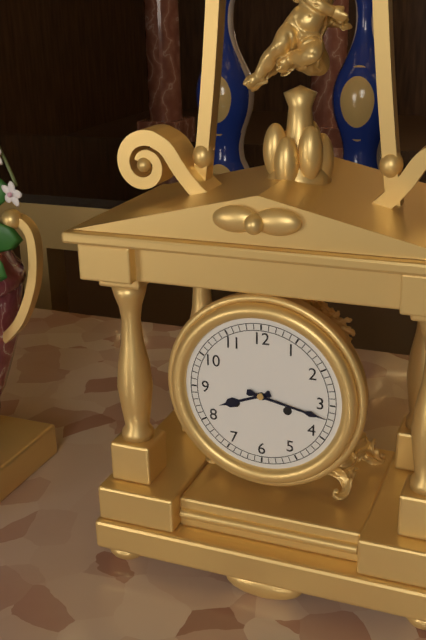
8:17
